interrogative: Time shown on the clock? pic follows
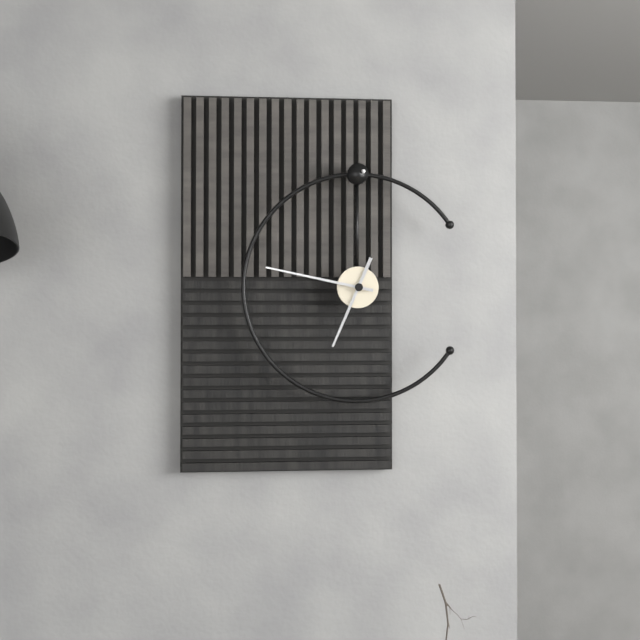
6:47
